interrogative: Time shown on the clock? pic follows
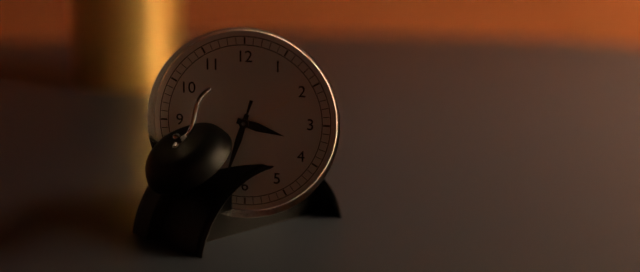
3:33
